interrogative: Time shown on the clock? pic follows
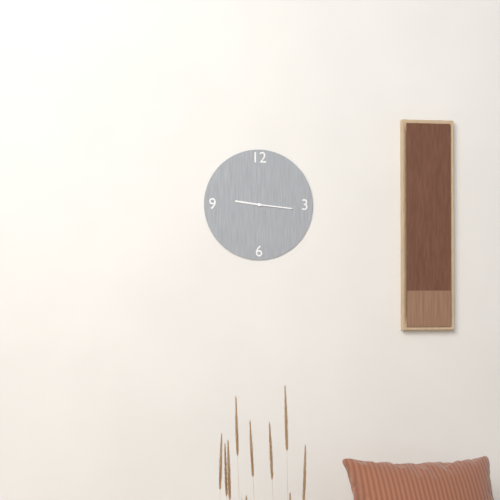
9:16
